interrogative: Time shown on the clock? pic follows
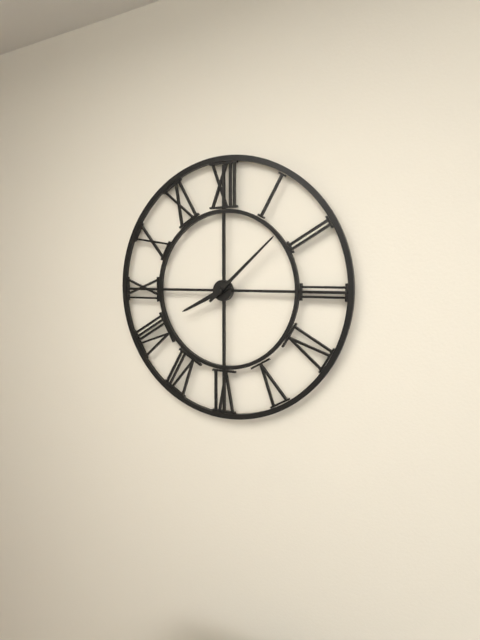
8:08
